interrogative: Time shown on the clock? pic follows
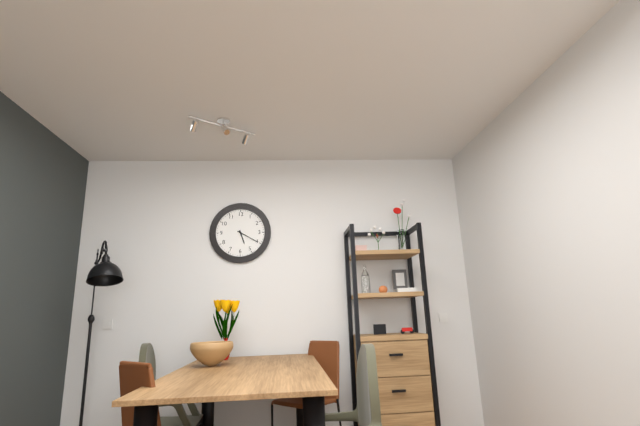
5:20
